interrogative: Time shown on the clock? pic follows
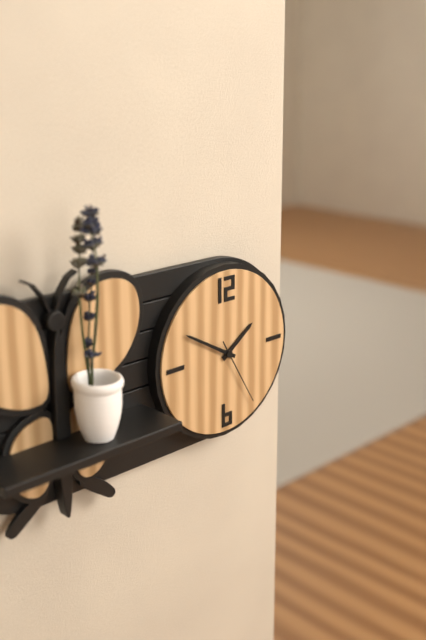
1:50:25
